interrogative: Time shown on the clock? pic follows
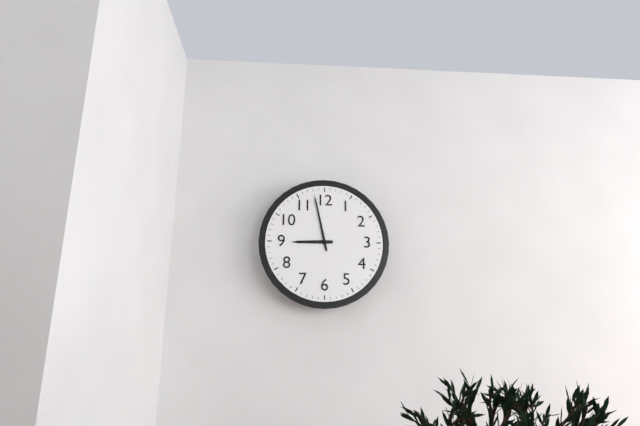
8:58
